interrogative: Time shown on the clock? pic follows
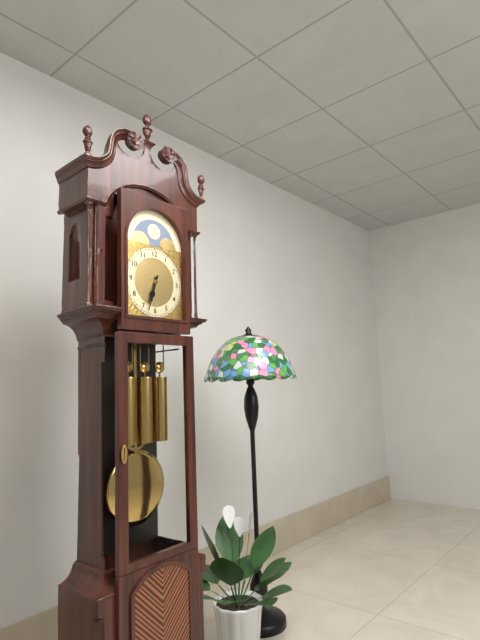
6:33
